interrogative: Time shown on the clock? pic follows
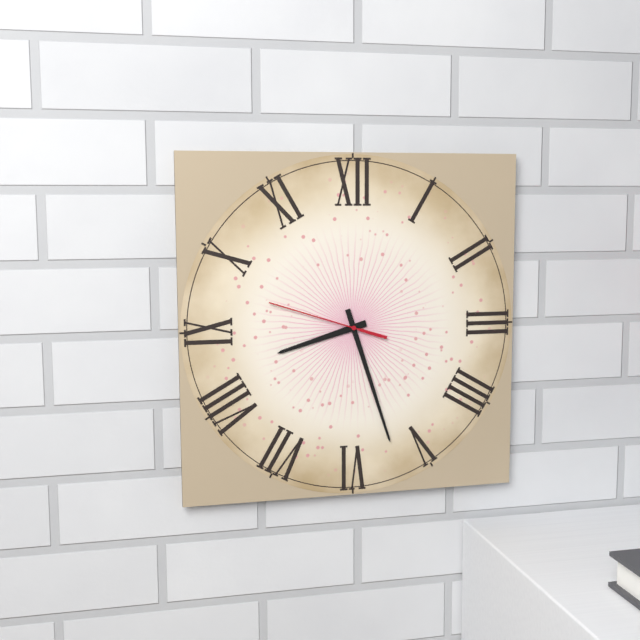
8:27:48
